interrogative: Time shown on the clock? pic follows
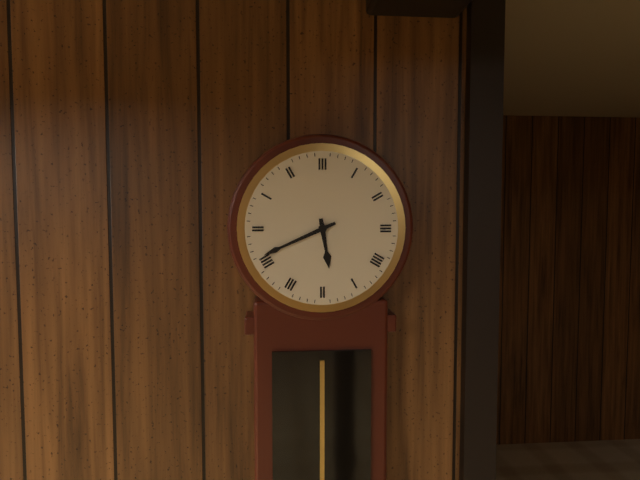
5:41
